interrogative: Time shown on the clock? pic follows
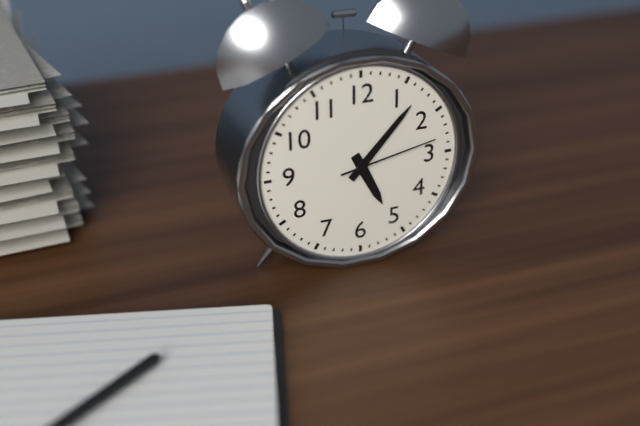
5:07:13
